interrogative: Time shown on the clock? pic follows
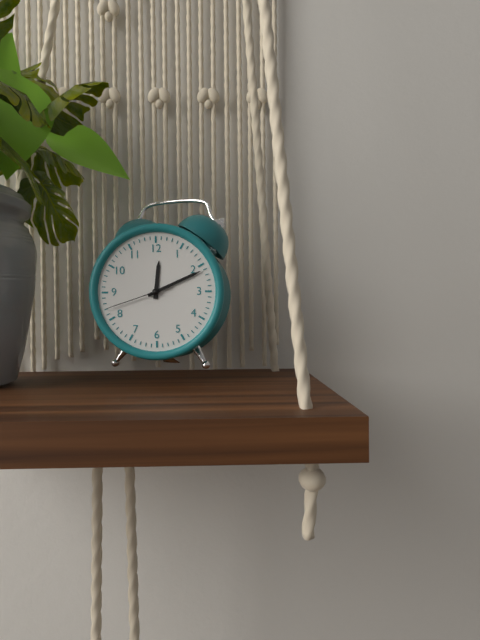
12:11:42
